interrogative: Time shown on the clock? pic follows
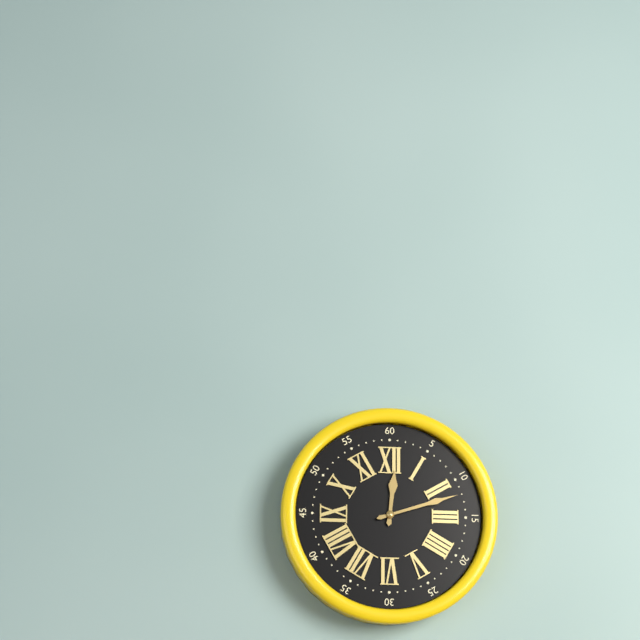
12:12
